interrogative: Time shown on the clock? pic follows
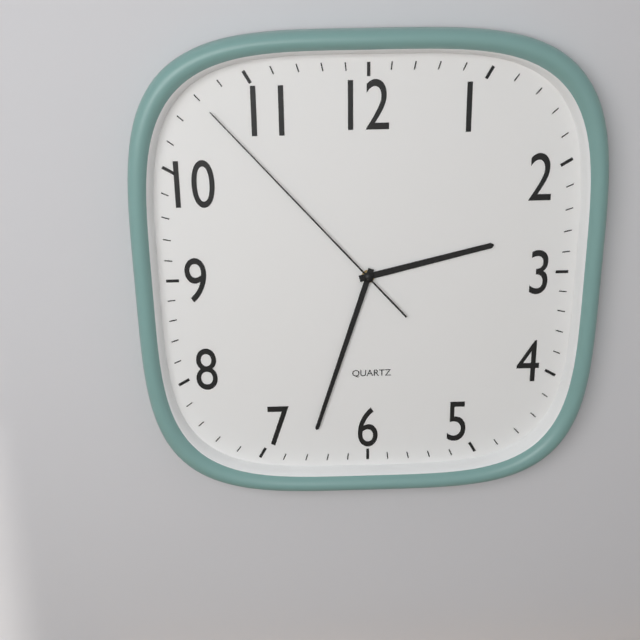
2:33:53
